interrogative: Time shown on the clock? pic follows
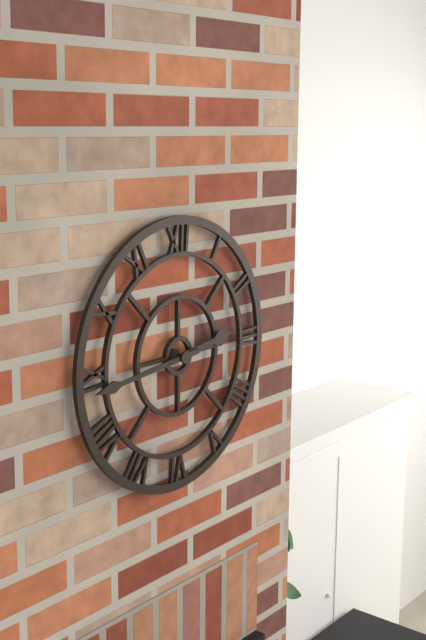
2:44
